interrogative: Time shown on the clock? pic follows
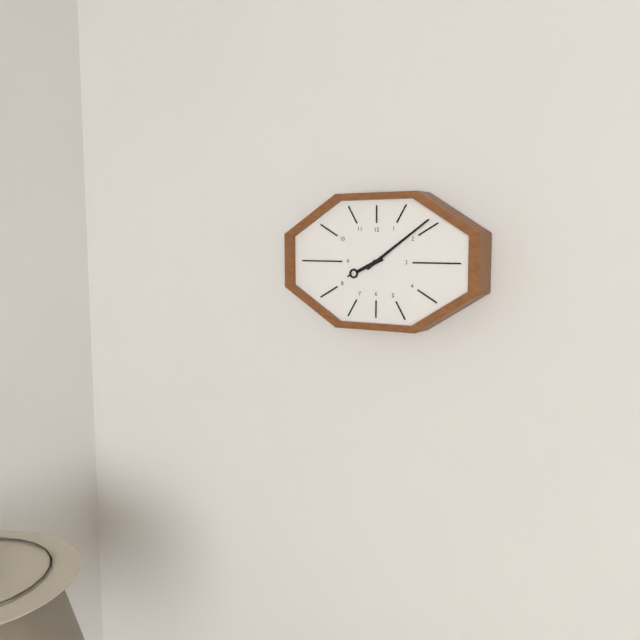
8:09
